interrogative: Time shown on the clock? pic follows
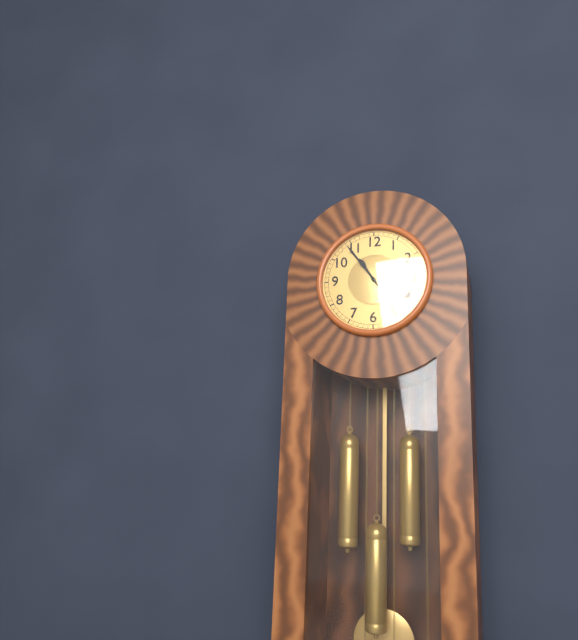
10:54
